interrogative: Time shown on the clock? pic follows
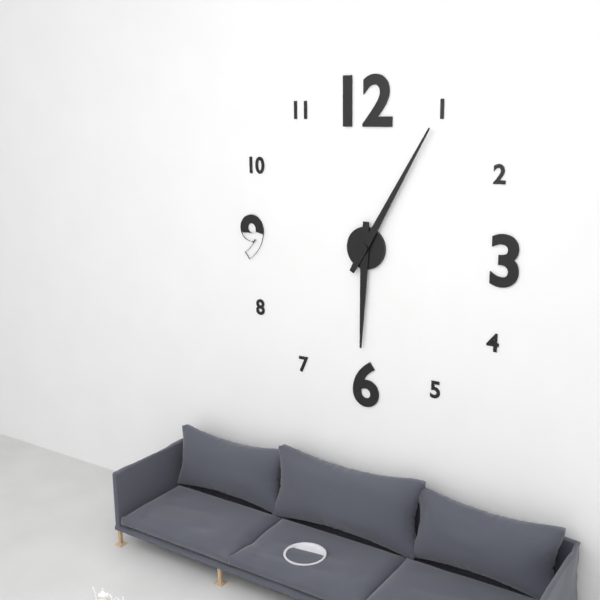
6:05
